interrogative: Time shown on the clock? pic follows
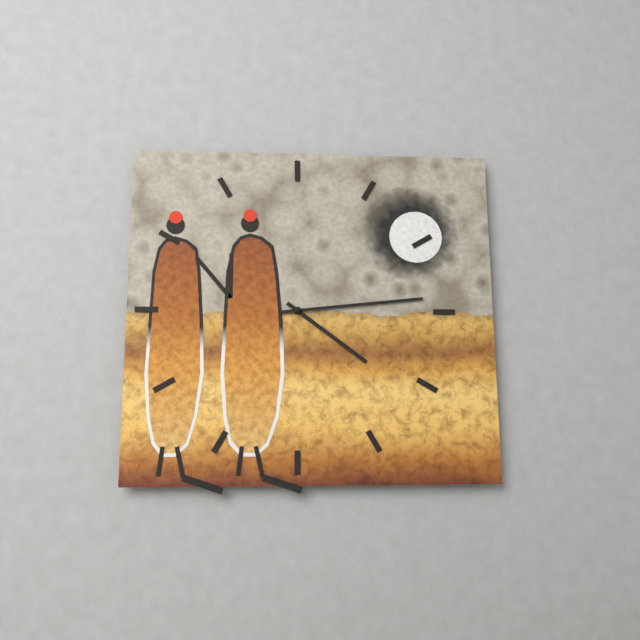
4:14
